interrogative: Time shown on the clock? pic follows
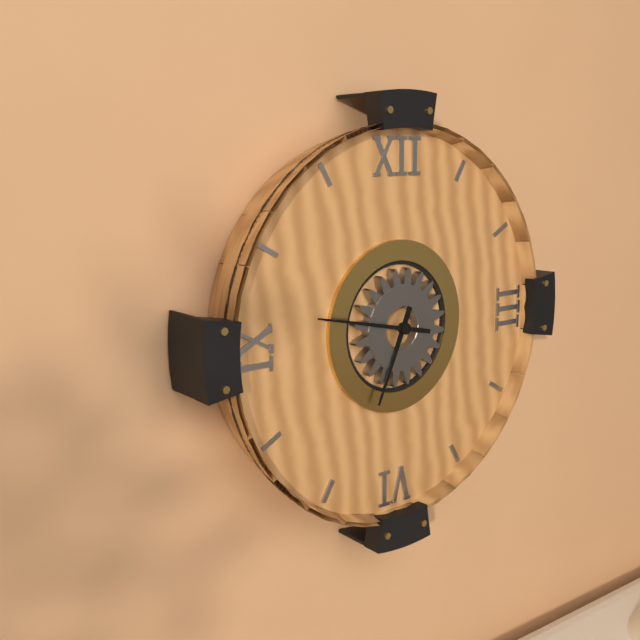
6:47
